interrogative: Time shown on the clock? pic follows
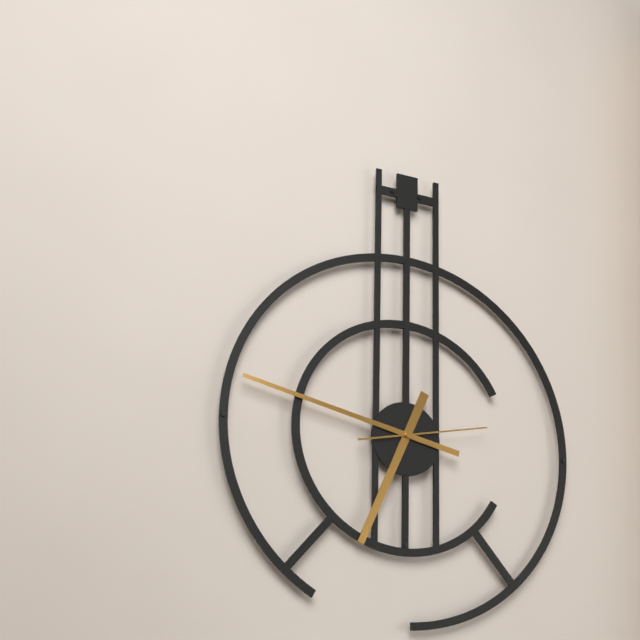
6:47:13
